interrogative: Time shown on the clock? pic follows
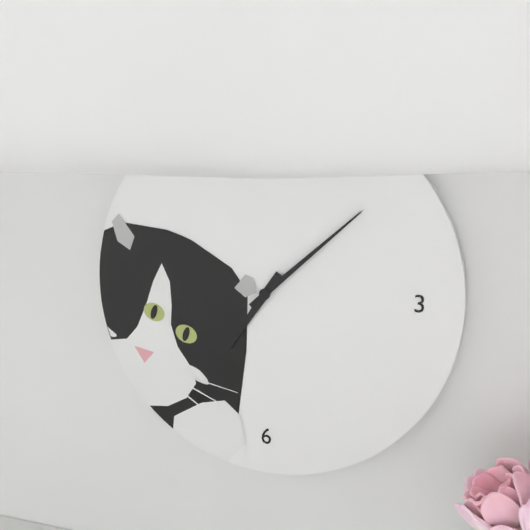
7:08
